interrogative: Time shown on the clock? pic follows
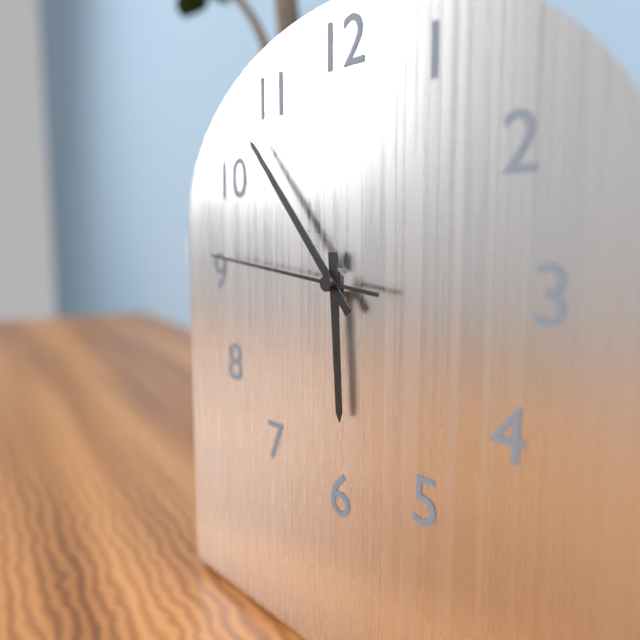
5:53:46
